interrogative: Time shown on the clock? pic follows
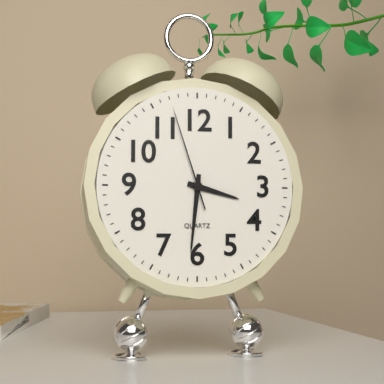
3:31:57
